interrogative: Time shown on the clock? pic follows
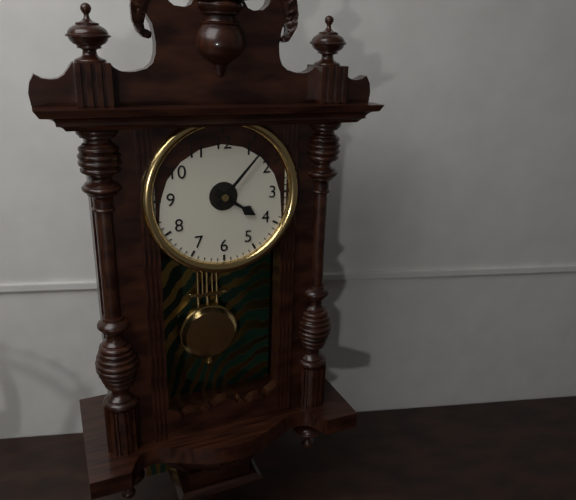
4:07
